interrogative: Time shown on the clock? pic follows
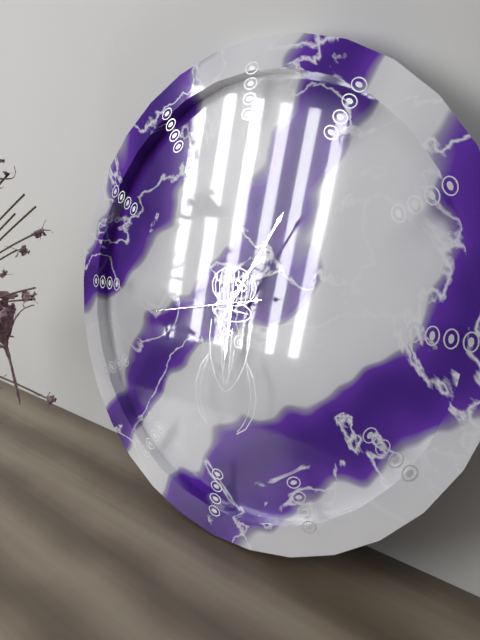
6:05:43
